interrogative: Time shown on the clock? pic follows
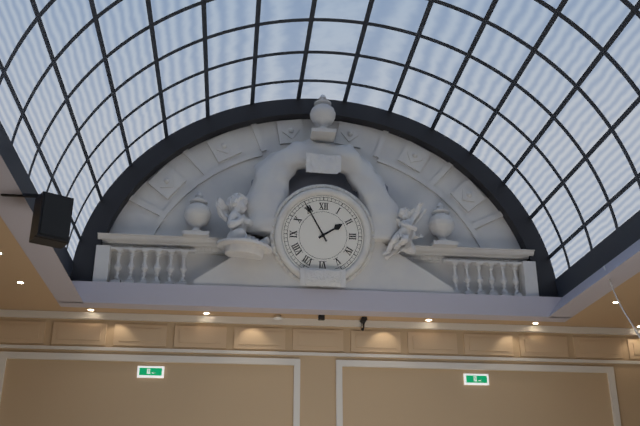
1:55
